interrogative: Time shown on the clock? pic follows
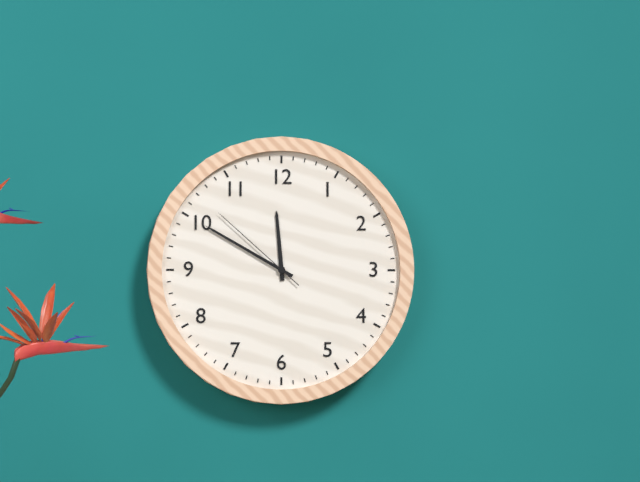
11:50:52
